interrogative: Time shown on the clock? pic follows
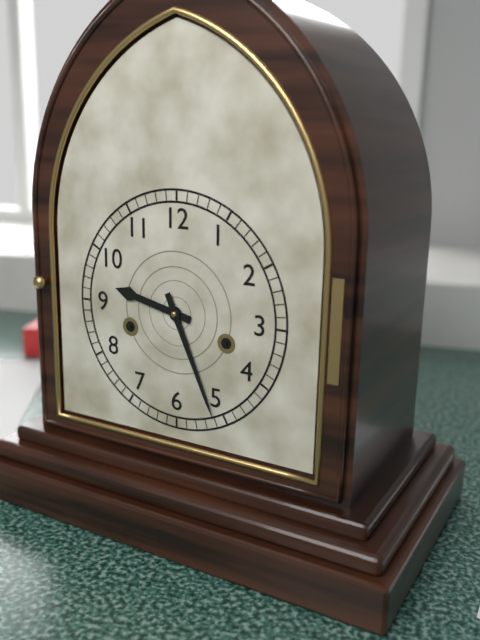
9:26
